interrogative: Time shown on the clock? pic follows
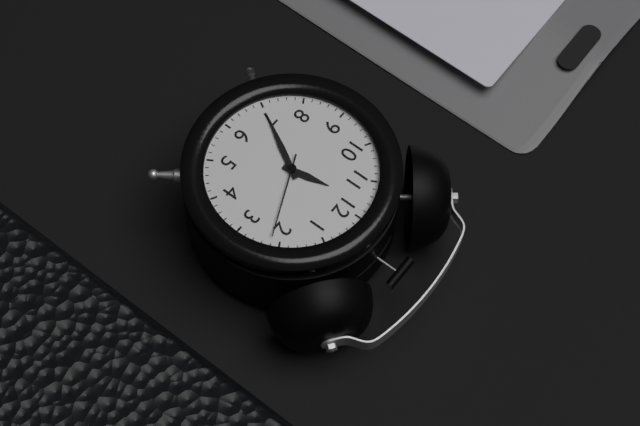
11:35:11
